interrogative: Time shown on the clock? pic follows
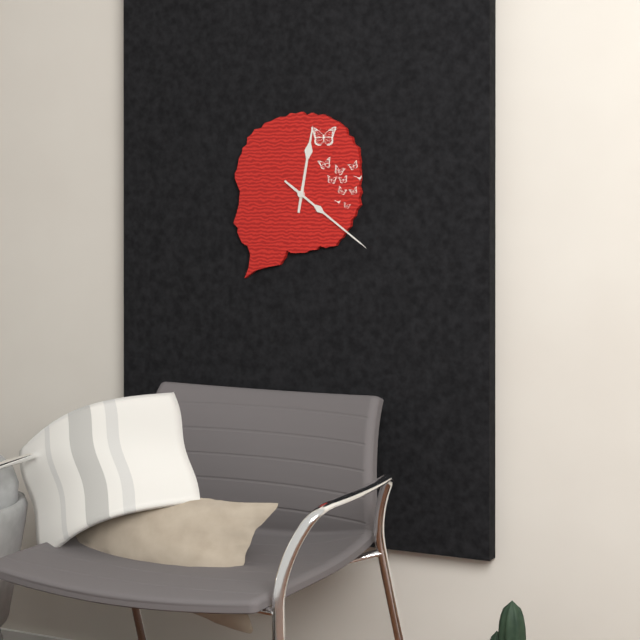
12:21
